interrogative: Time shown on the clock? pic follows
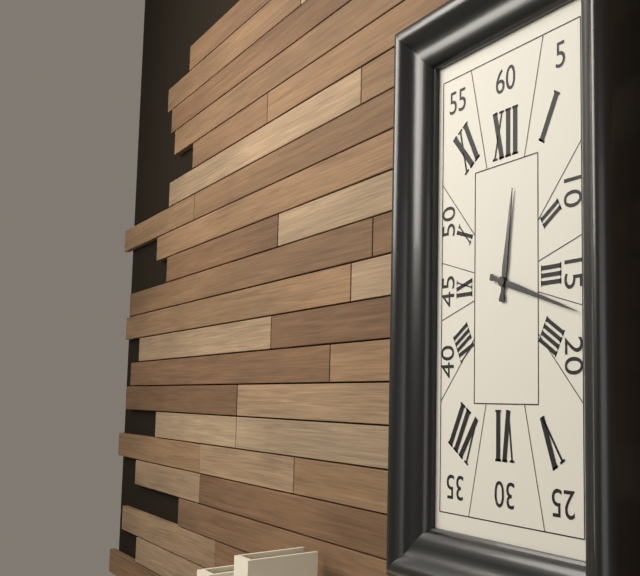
12:18
